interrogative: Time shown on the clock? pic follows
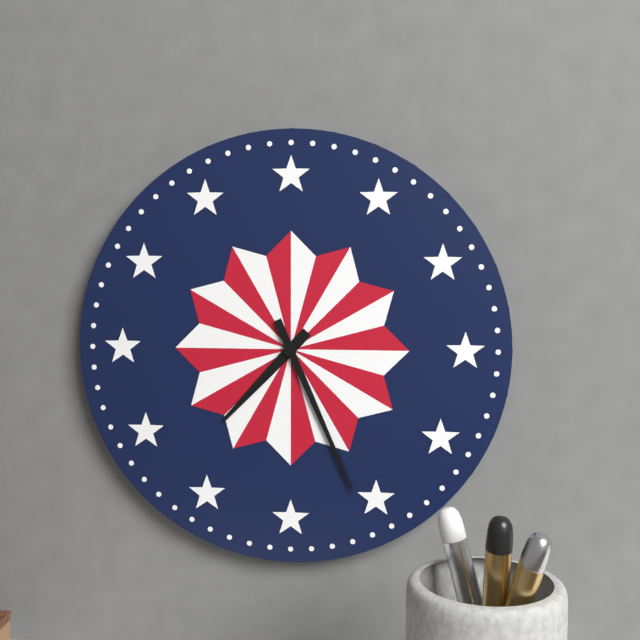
7:26
